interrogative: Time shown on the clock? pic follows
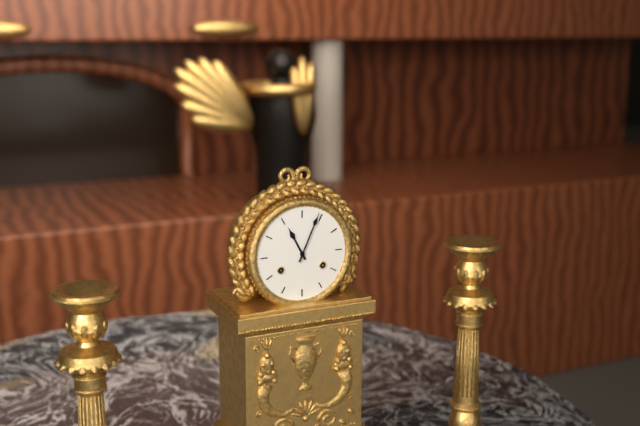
11:04
